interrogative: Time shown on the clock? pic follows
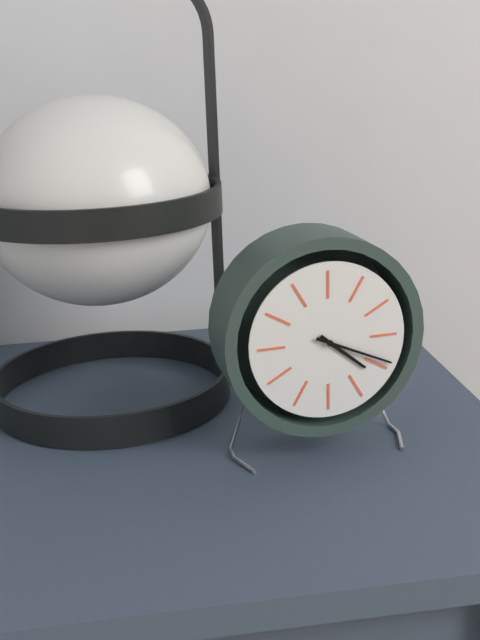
4:19
